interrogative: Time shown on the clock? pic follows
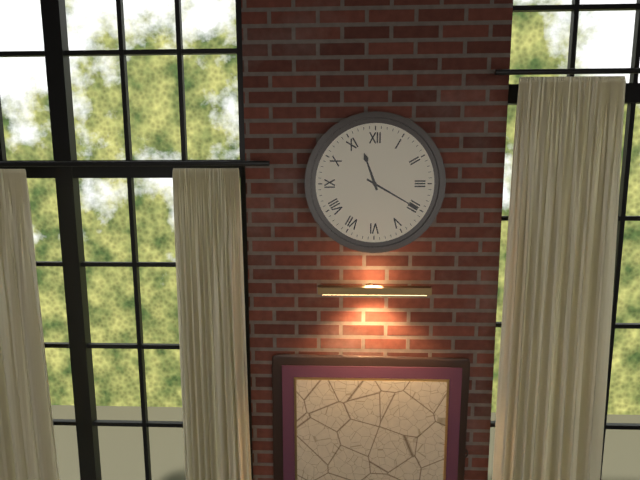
11:20
